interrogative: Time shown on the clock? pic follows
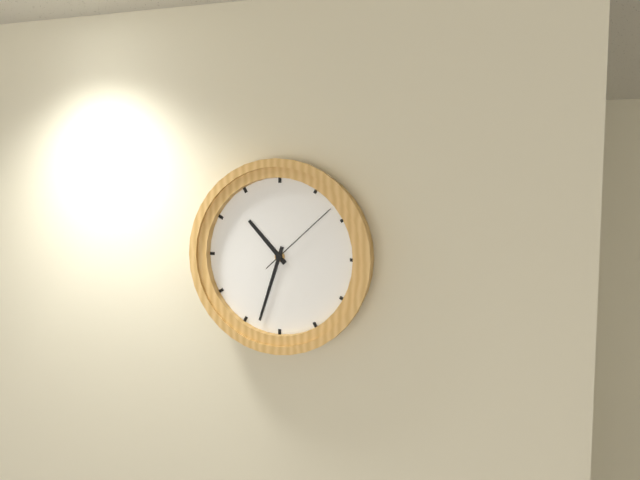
10:33:08
